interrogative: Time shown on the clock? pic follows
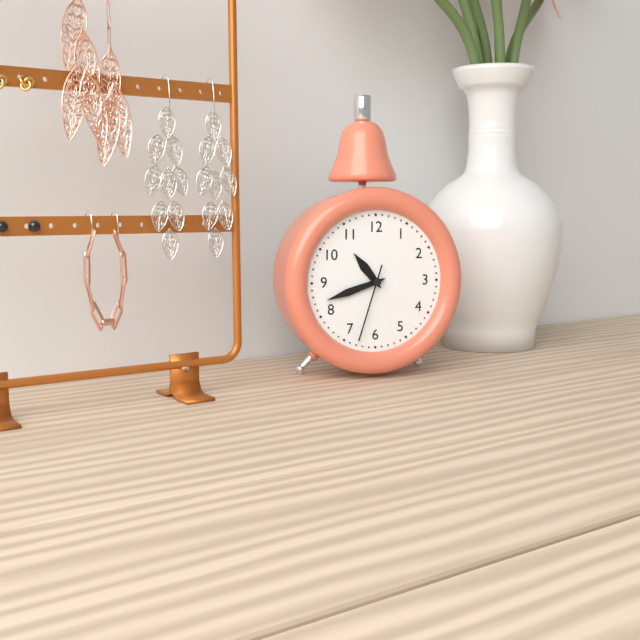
10:42:33
